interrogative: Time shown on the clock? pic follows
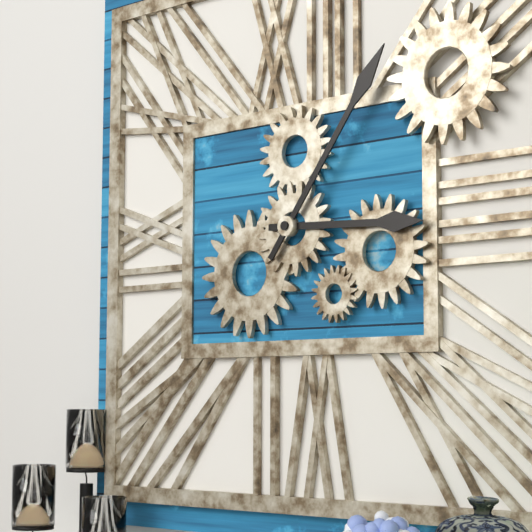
3:06
